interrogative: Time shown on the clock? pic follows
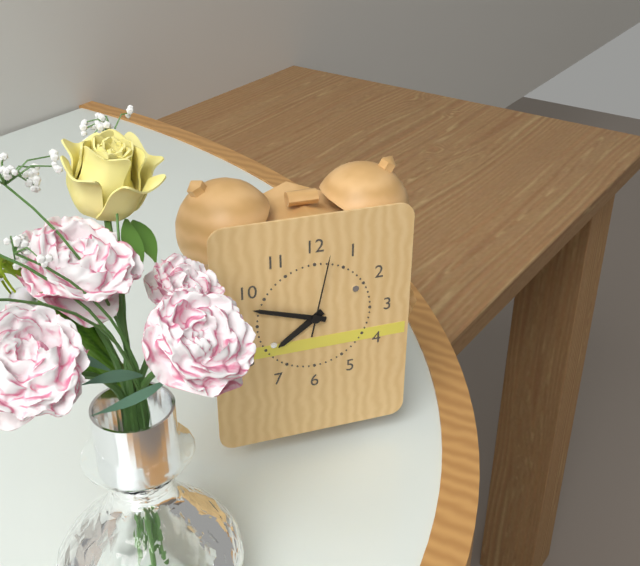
7:48:02
